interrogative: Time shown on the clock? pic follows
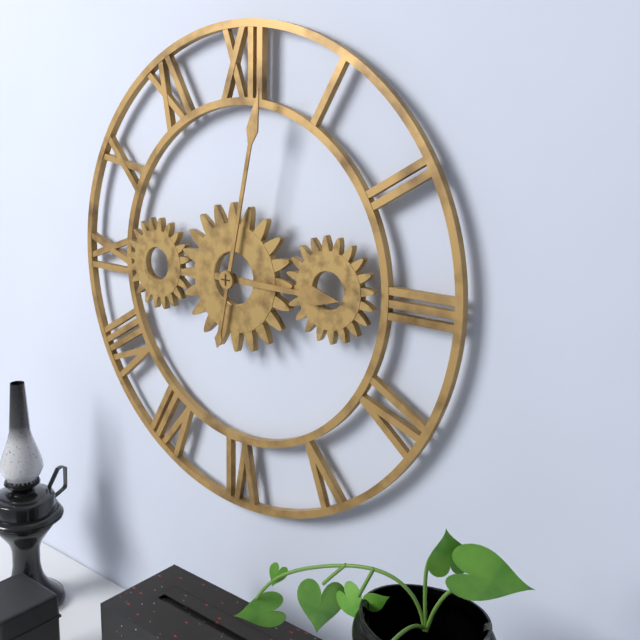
3:02
